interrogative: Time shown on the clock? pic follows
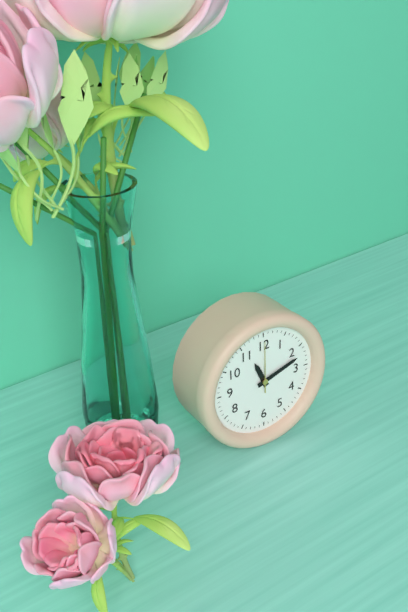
11:12
